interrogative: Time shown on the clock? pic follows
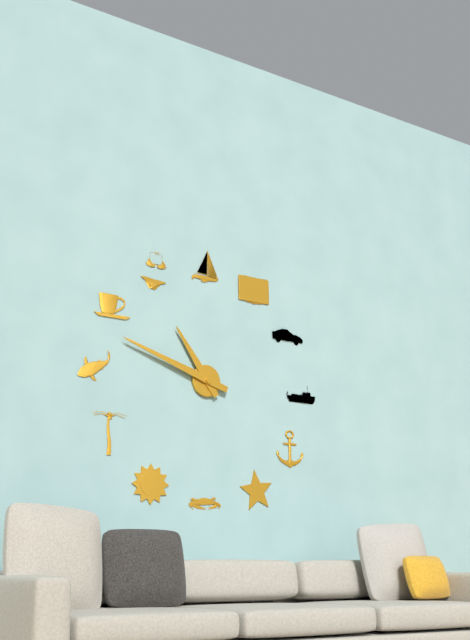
10:48
